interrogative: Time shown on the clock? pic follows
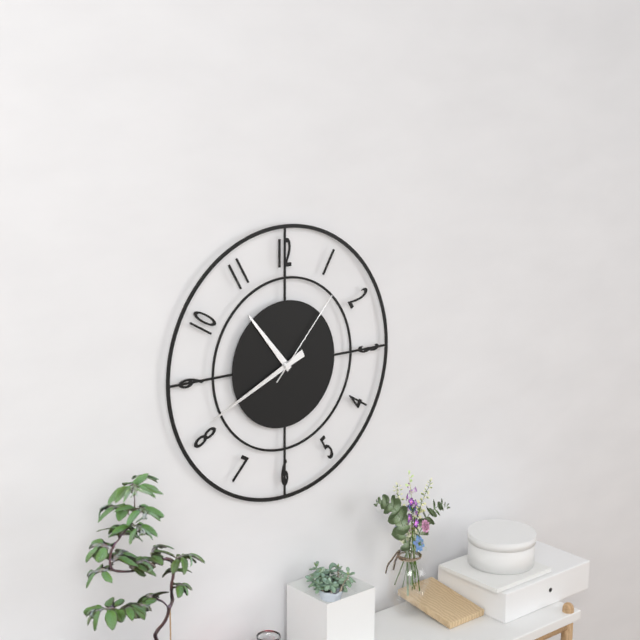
10:41:07
